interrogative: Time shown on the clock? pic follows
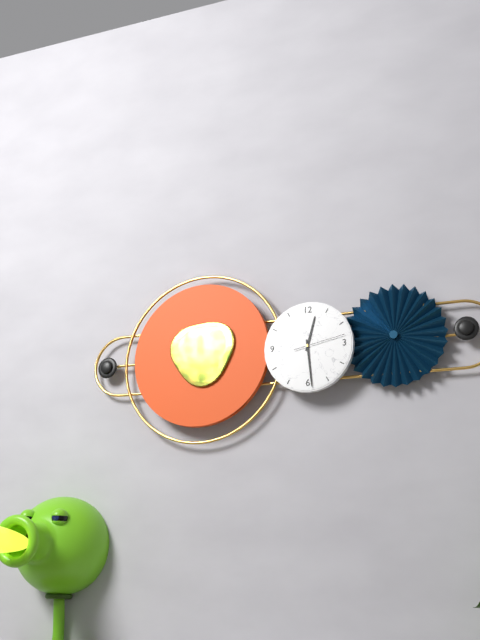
12:29
